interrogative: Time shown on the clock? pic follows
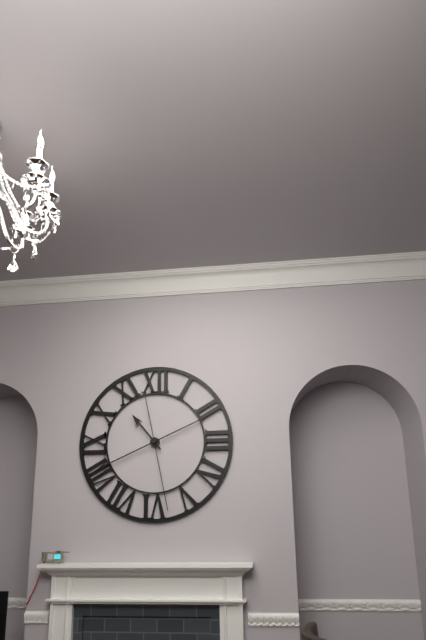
10:41:28
